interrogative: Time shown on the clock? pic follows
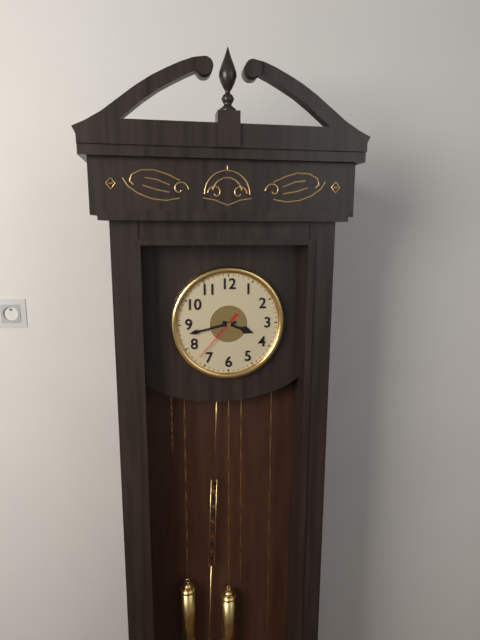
3:43:37
